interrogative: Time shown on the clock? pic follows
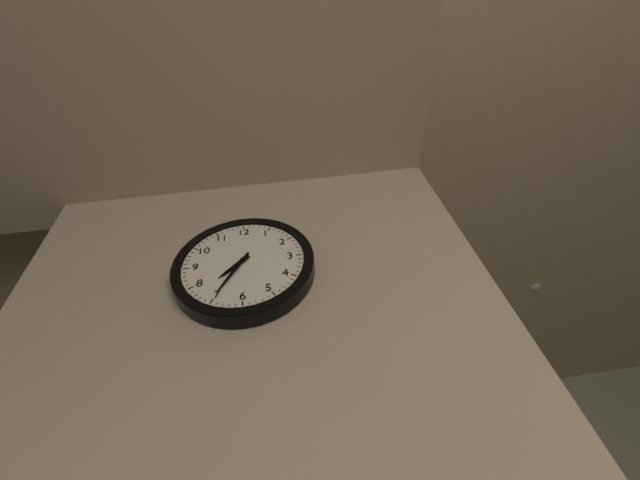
7:35
